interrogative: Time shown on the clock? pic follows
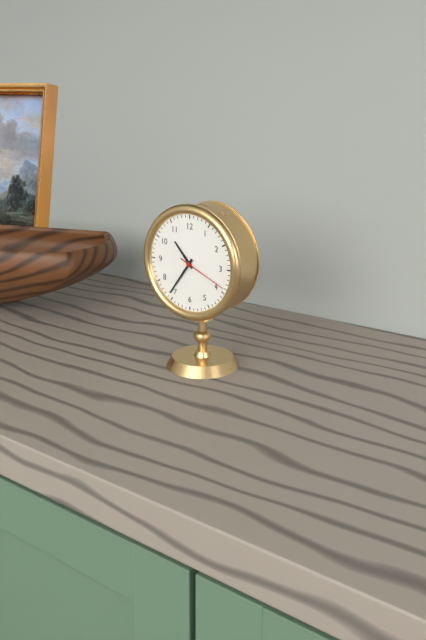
10:36:19
